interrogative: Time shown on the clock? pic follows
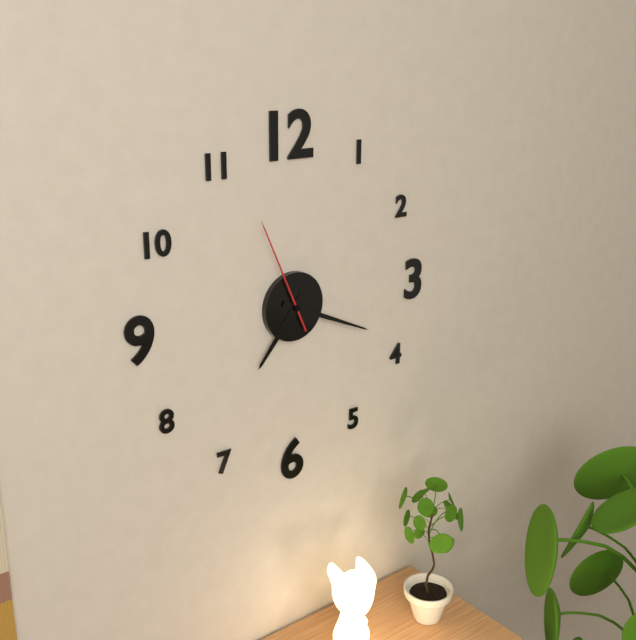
7:19:56
